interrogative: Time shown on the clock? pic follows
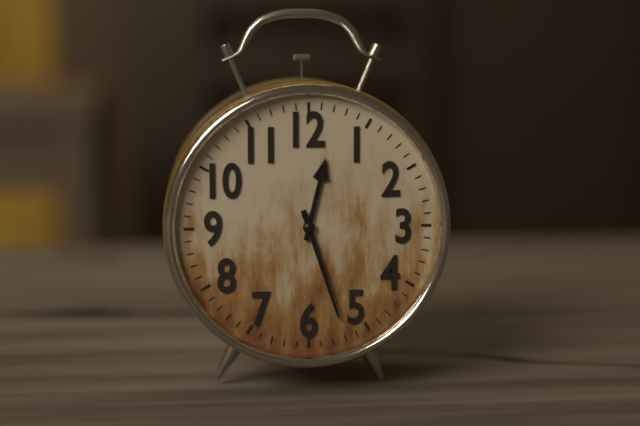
12:27
